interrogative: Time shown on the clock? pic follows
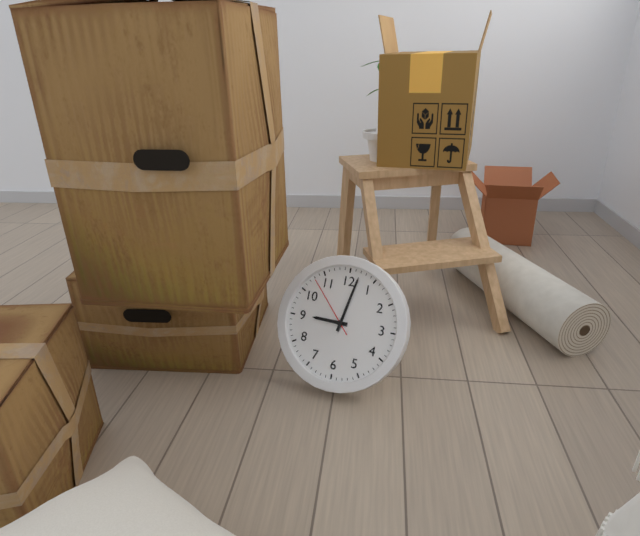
9:02:53
